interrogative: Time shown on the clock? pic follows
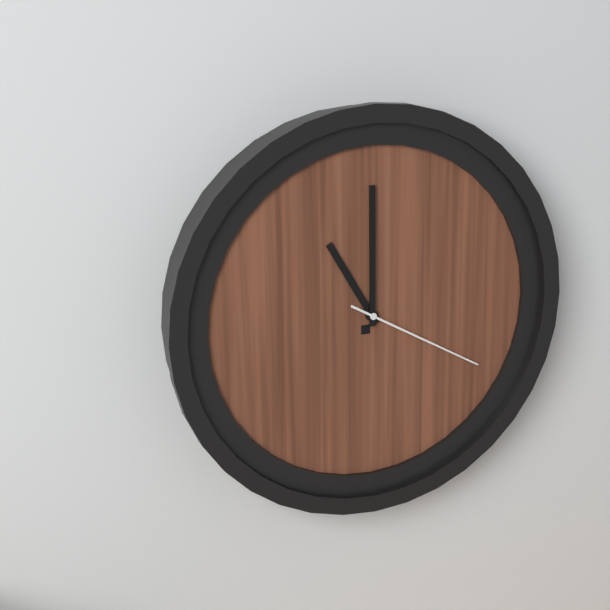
11:00:20
